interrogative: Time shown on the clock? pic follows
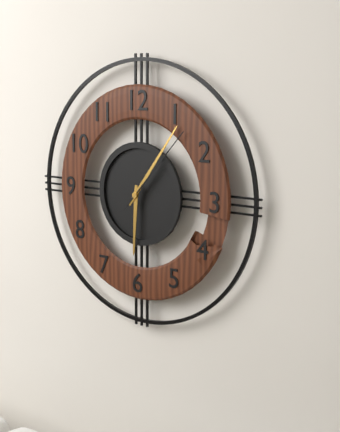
6:06:07
